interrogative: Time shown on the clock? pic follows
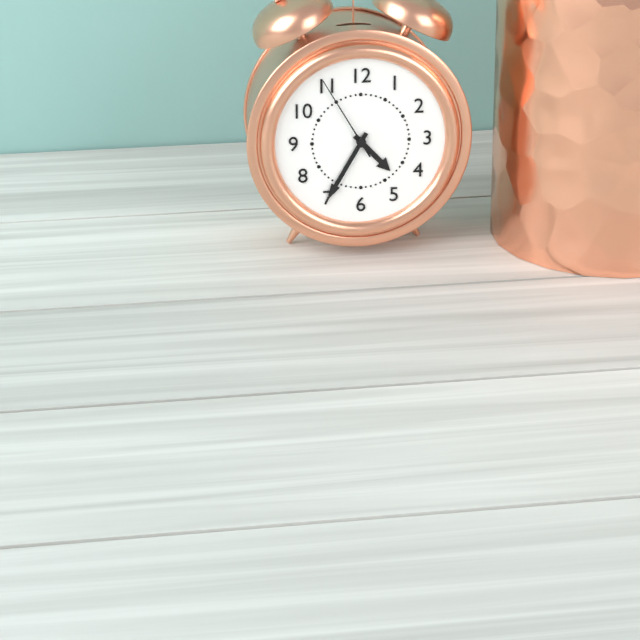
4:35:55
